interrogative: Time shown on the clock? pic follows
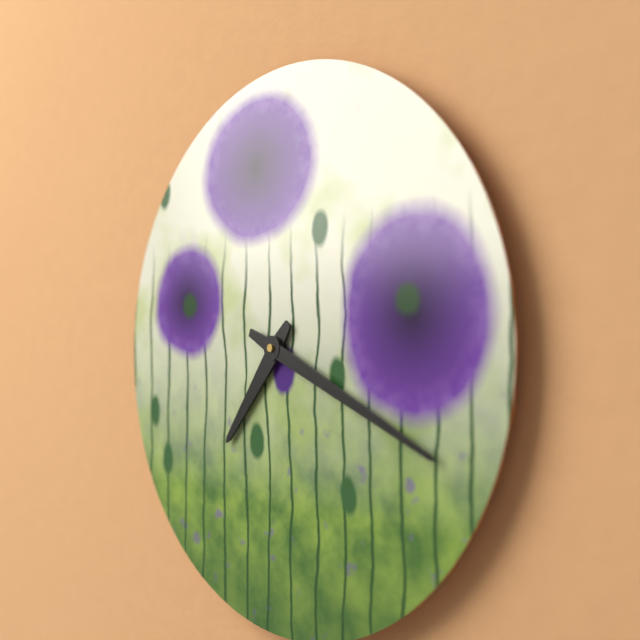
7:19
